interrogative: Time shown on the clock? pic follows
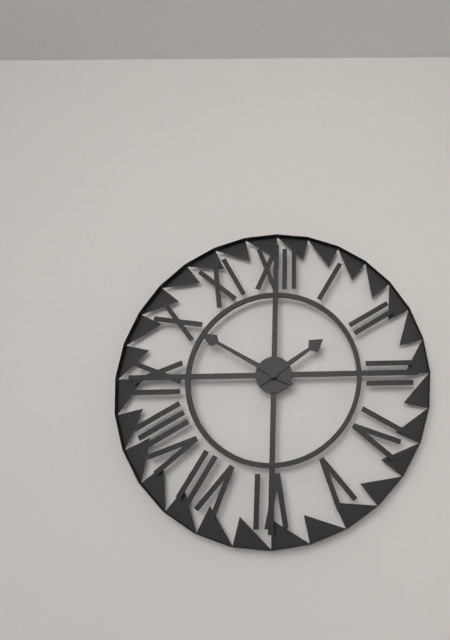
1:50
